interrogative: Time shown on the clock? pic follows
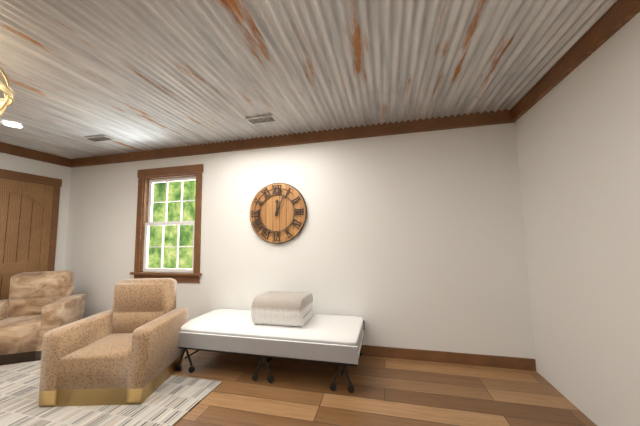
12:04
